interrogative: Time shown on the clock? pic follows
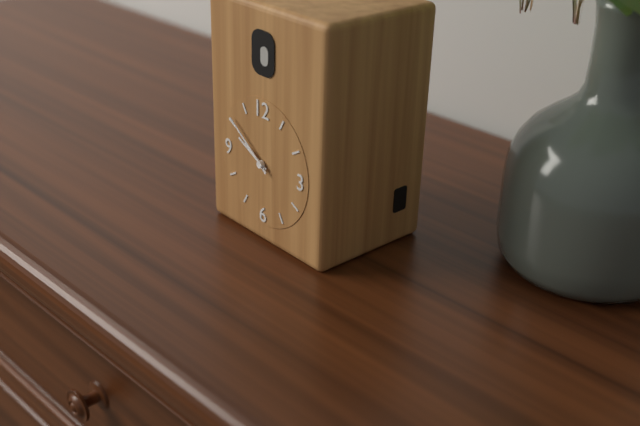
9:51
